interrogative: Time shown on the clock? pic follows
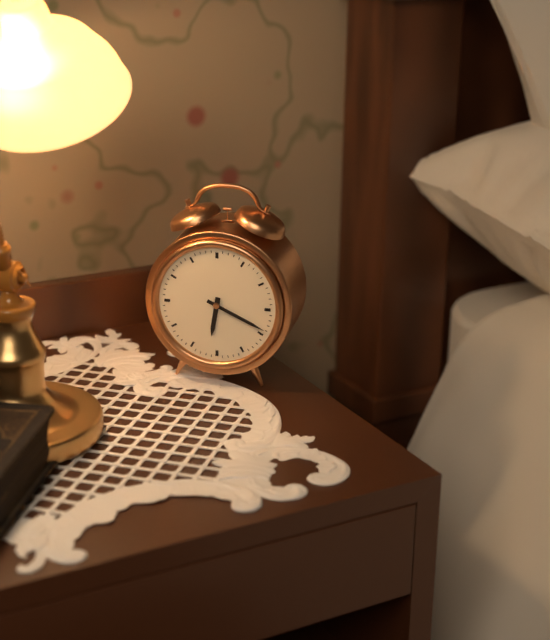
6:19
